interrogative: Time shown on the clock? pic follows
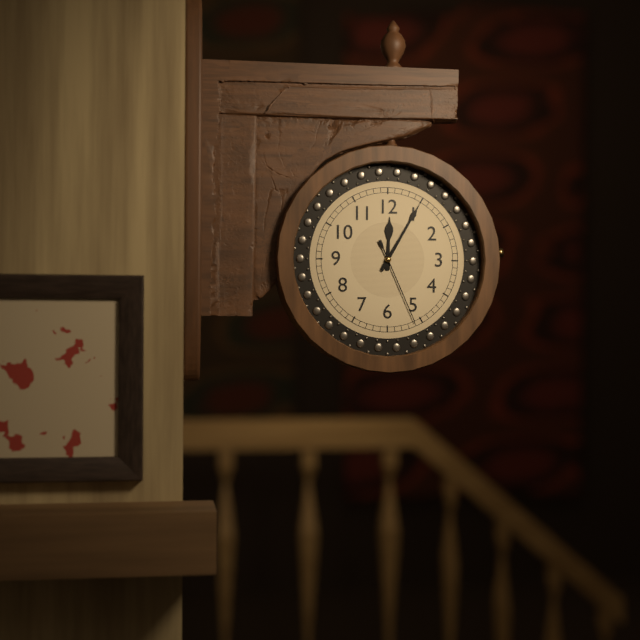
12:05:26
